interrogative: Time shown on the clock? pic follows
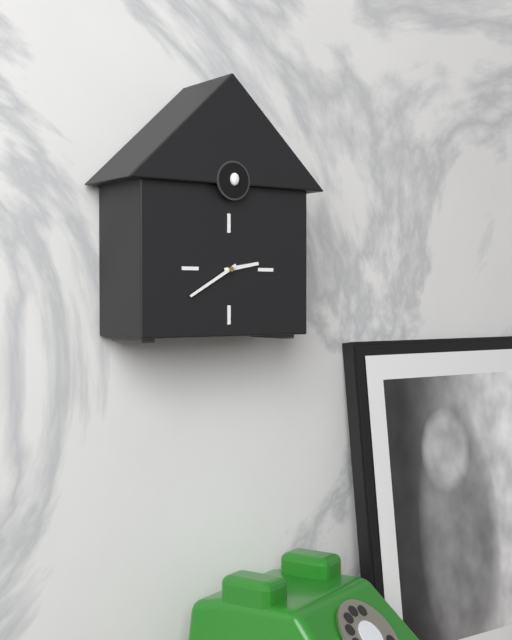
2:40
